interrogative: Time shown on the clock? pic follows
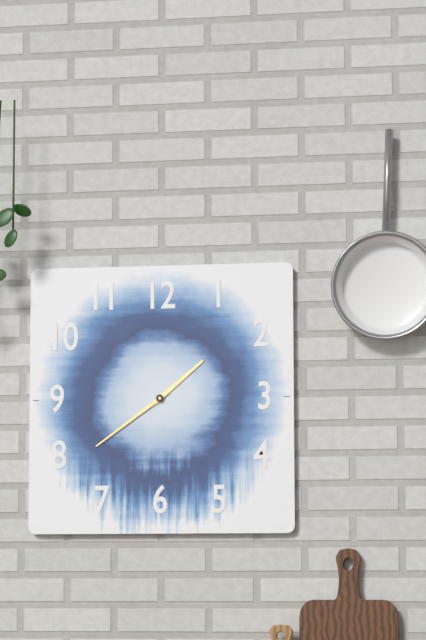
1:39
